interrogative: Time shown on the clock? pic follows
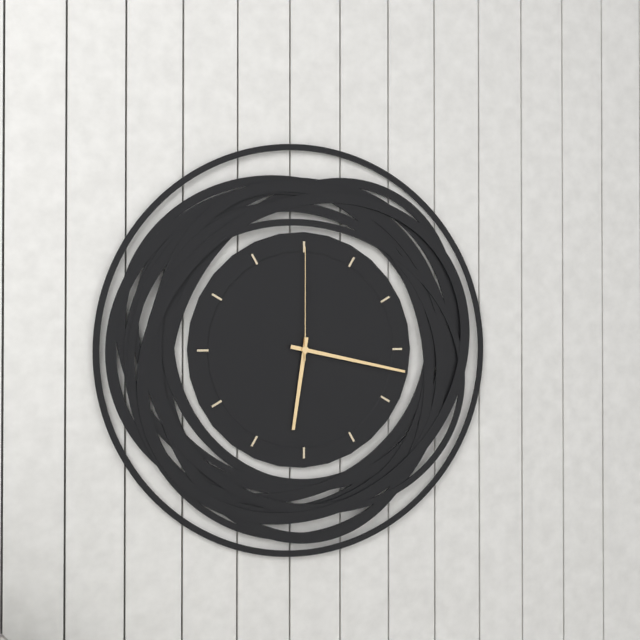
6:17:00
